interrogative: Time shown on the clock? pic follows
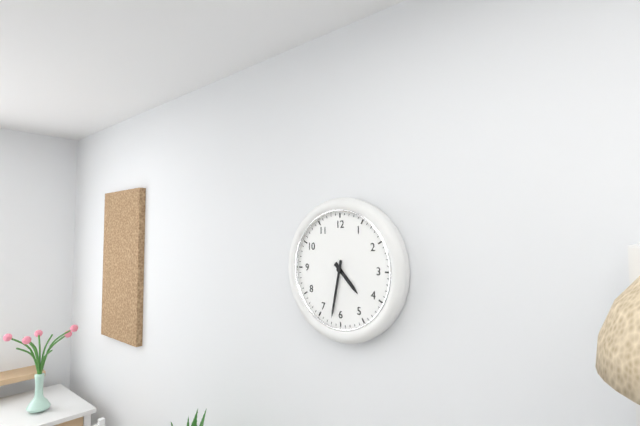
4:32
